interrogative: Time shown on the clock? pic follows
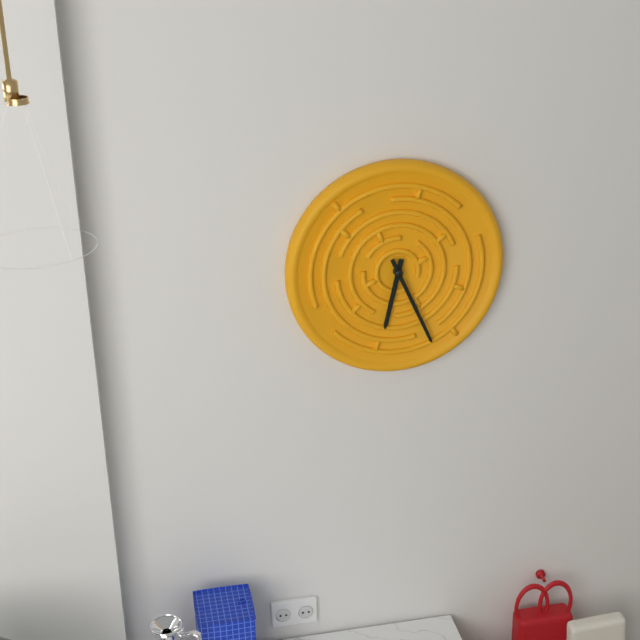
6:26
